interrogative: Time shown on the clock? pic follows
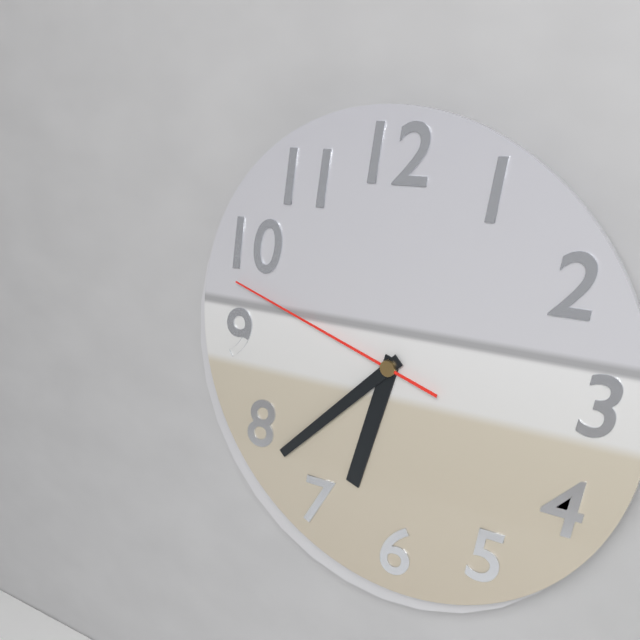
6:38:48
